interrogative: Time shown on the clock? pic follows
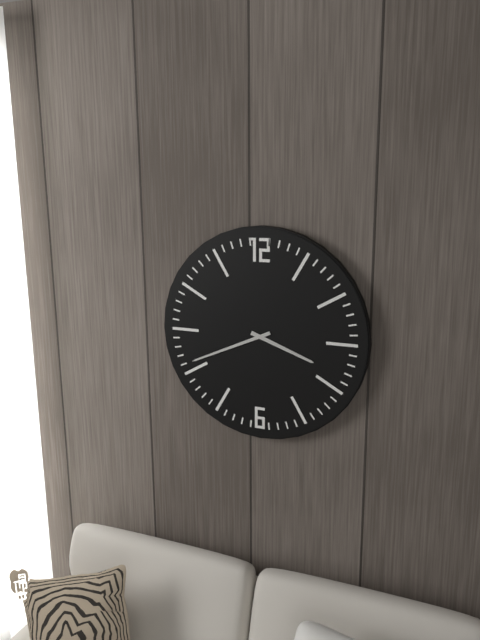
3:41
